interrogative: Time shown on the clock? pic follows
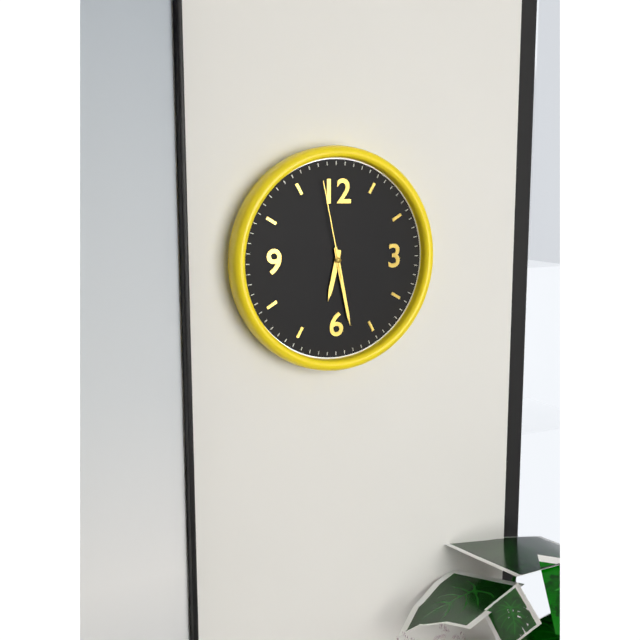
6:28:58
